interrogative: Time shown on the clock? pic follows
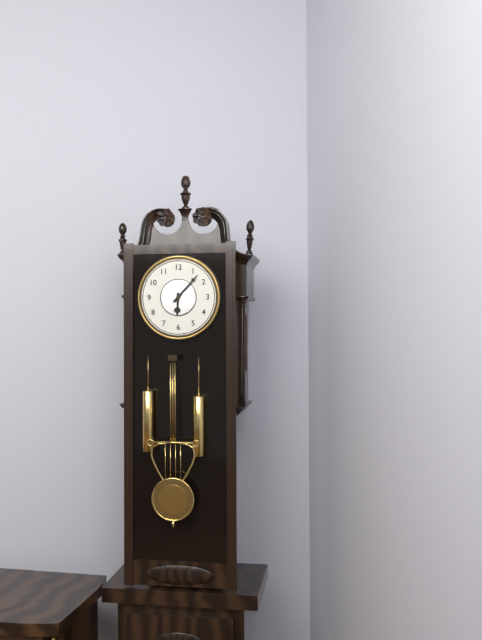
6:07
